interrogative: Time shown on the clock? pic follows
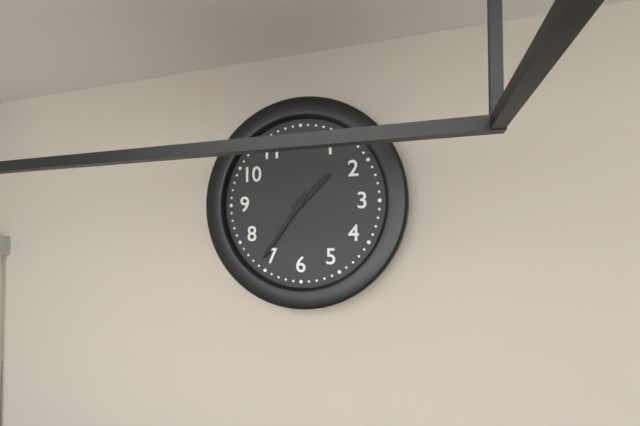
1:36
